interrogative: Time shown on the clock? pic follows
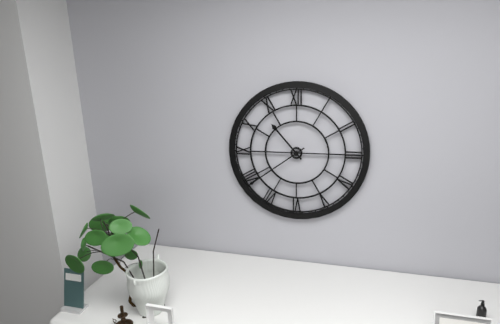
10:39
